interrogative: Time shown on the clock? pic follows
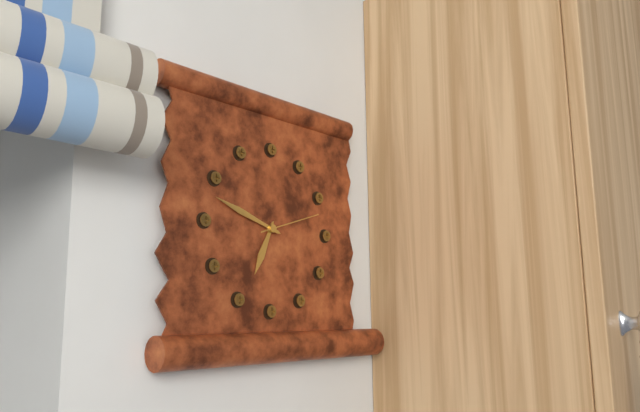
6:48:12
